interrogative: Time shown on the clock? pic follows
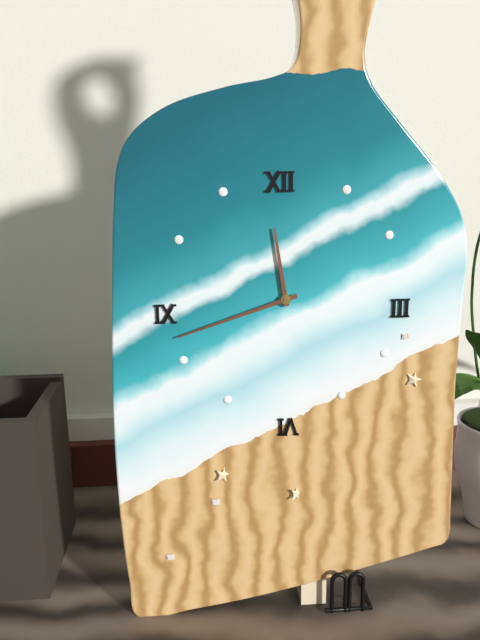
11:42
